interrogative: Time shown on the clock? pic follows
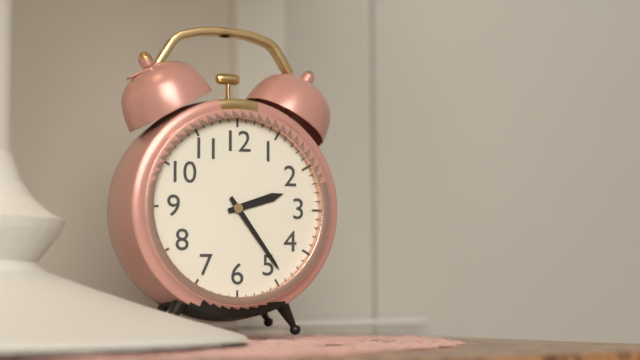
2:24
